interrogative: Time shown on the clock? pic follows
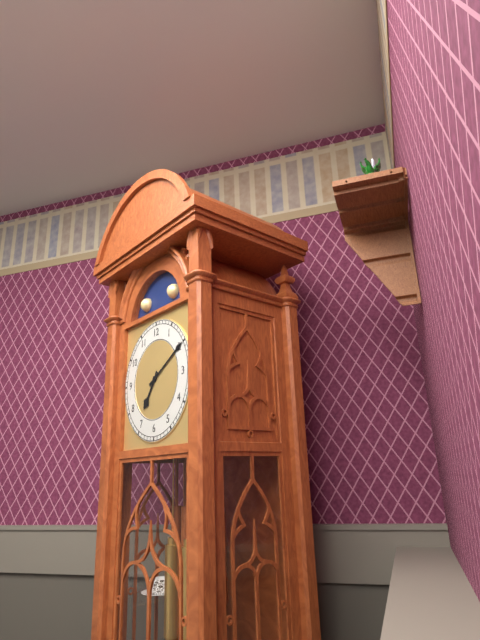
7:10
